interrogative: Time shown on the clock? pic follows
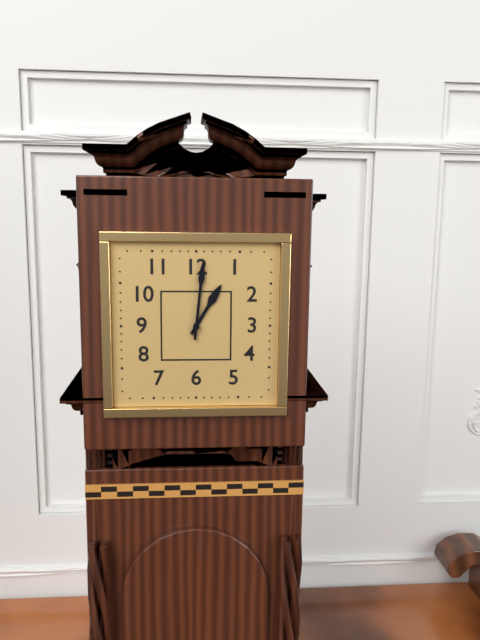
1:01
